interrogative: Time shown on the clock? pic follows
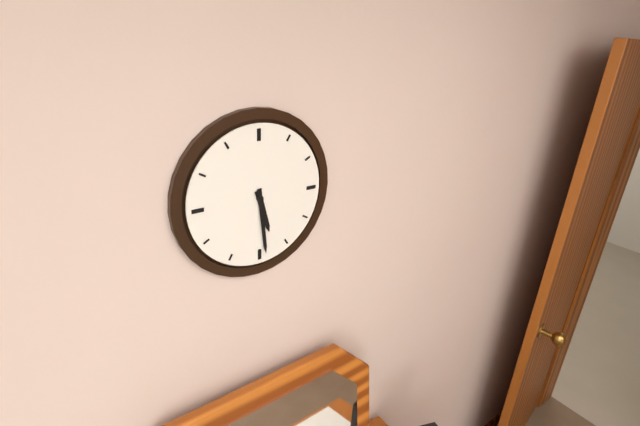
5:29
